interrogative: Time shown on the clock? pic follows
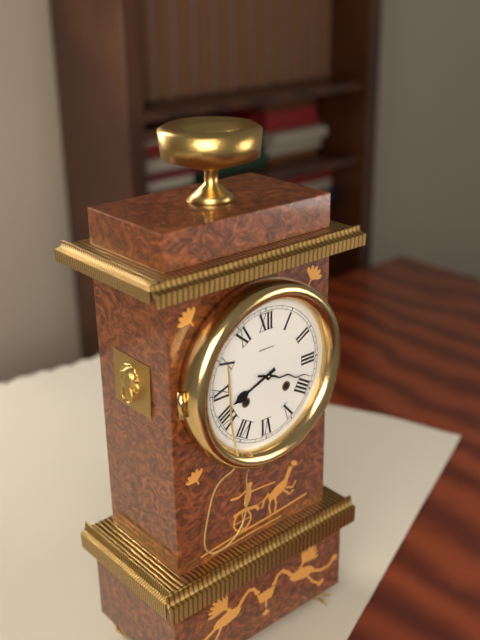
8:18
